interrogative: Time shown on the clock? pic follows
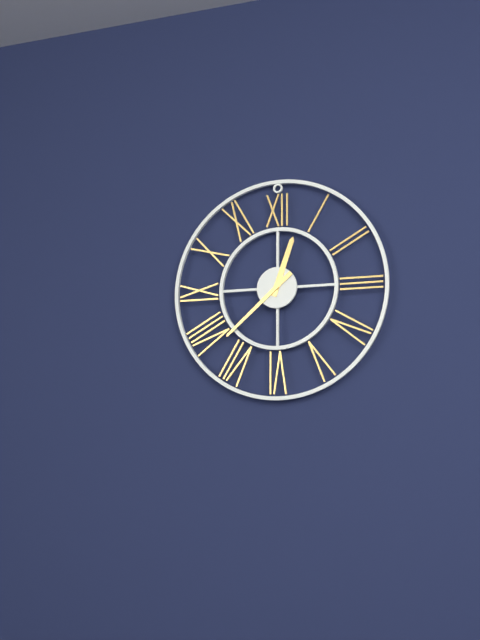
12:38
